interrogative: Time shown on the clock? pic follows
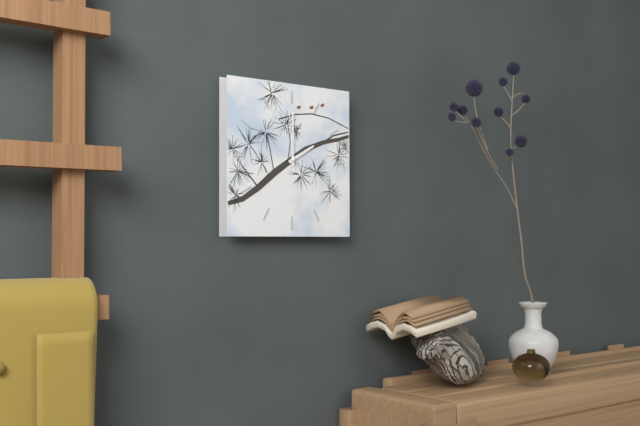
2:00:59
